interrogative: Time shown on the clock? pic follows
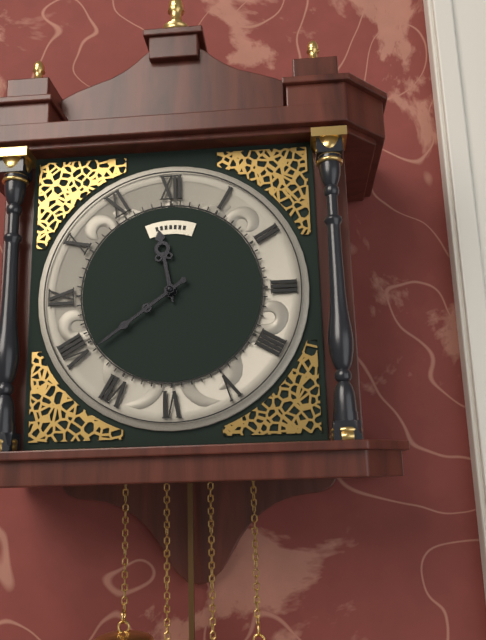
11:39
